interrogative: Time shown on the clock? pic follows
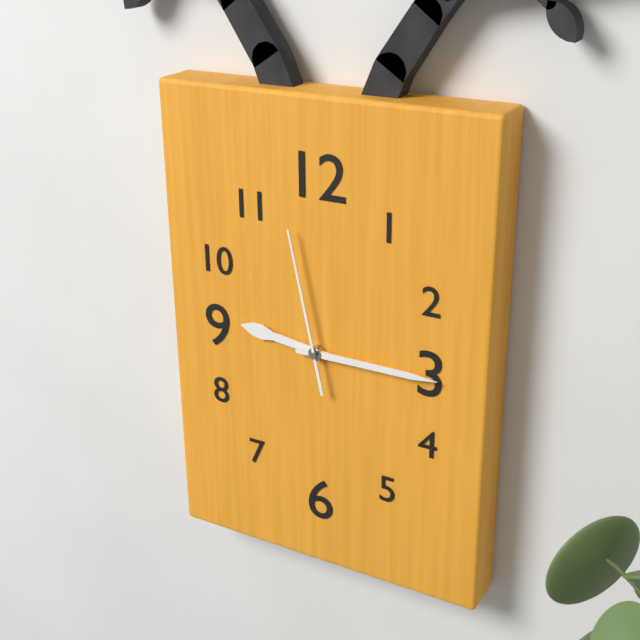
9:15:58
